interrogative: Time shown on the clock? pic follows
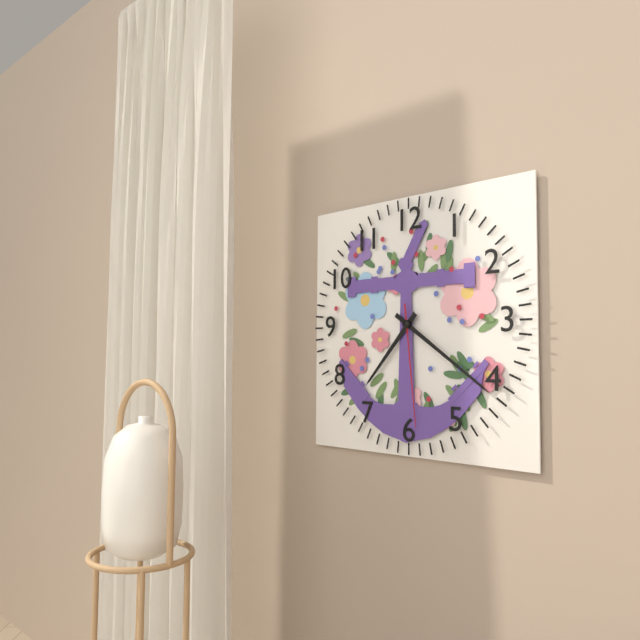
7:21:29
